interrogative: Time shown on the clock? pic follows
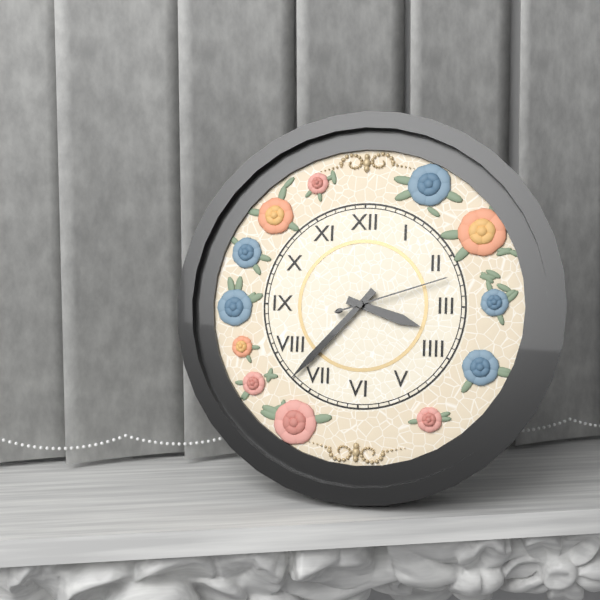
3:37:12
